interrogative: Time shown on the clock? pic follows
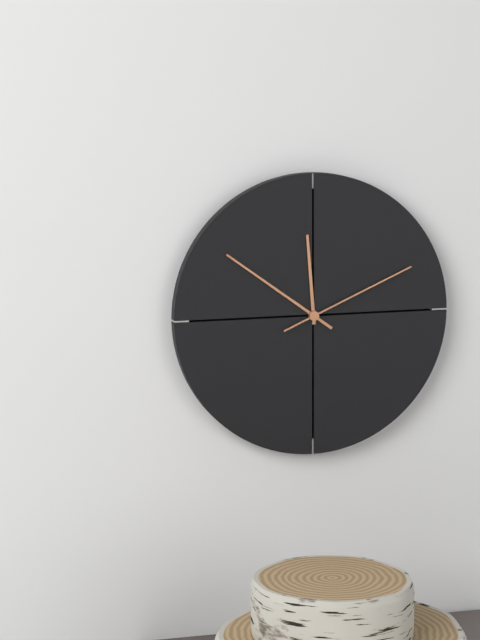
11:51:11
